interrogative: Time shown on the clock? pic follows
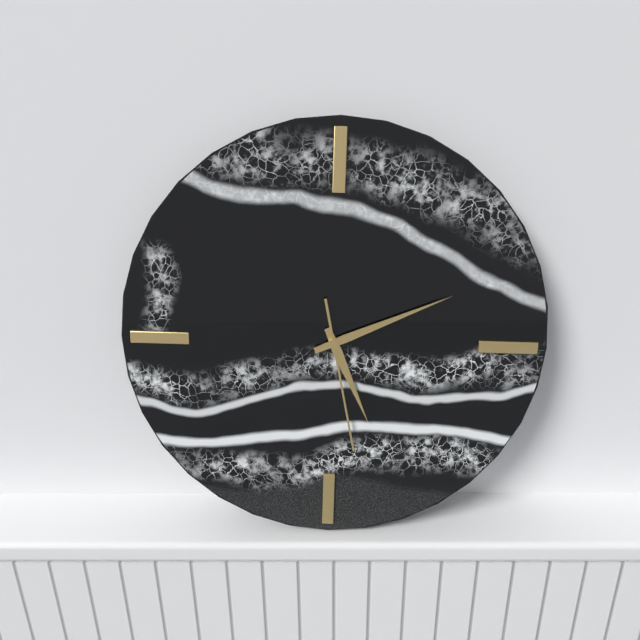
5:11:28
